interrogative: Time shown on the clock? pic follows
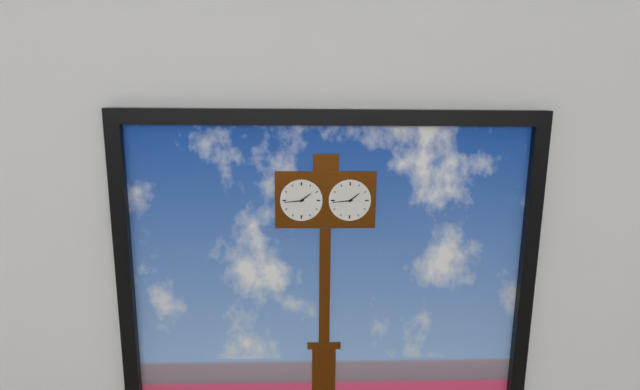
1:44
